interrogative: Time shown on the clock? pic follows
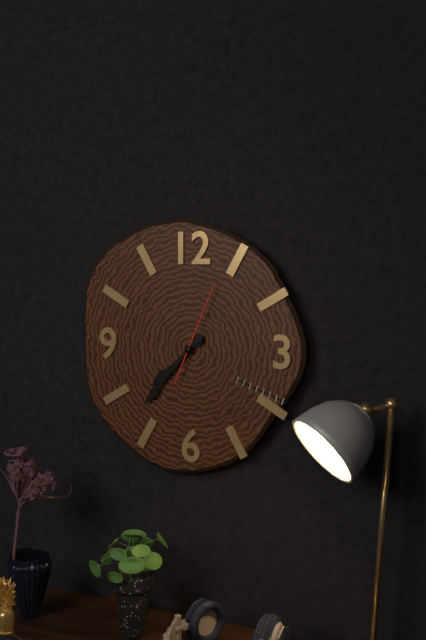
7:37:04
